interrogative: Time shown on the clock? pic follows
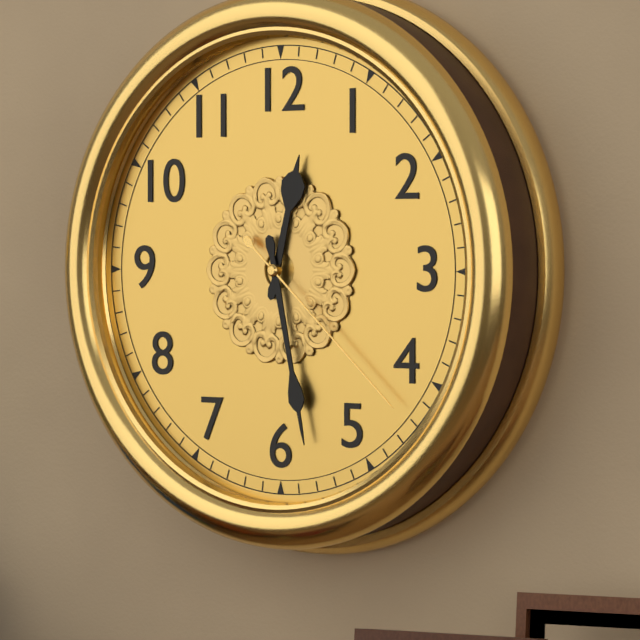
12:28:22
